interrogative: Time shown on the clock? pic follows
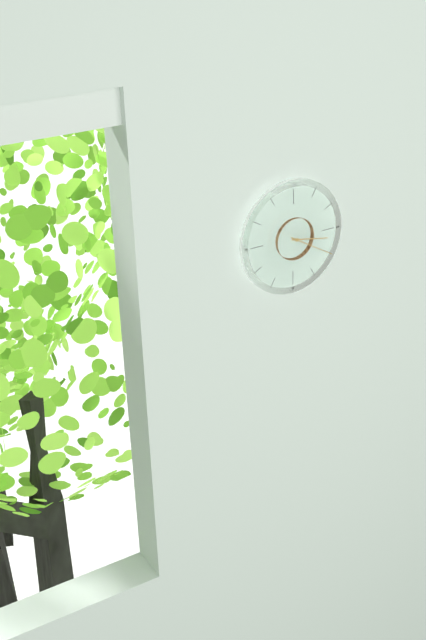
3:20
